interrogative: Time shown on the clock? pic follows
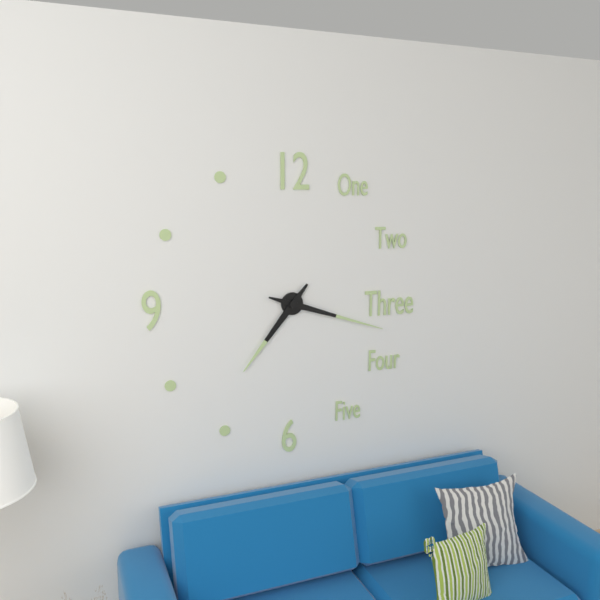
7:18
